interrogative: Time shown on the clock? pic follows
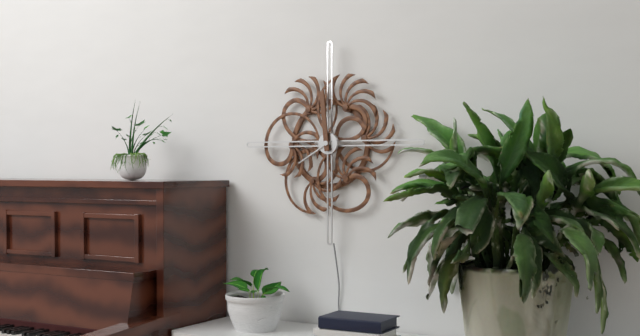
7:59
